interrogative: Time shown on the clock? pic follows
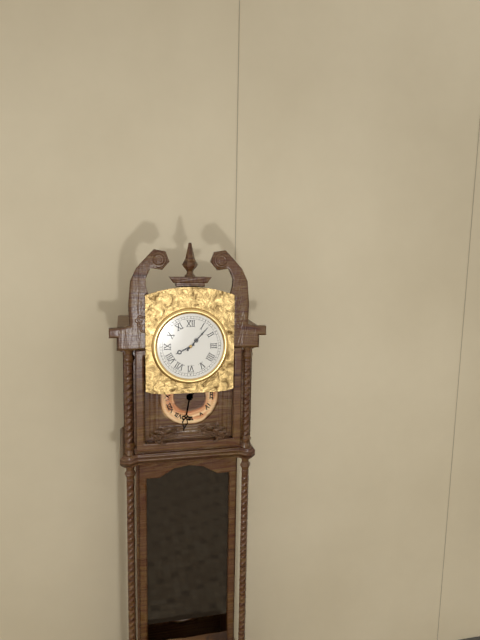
8:07
